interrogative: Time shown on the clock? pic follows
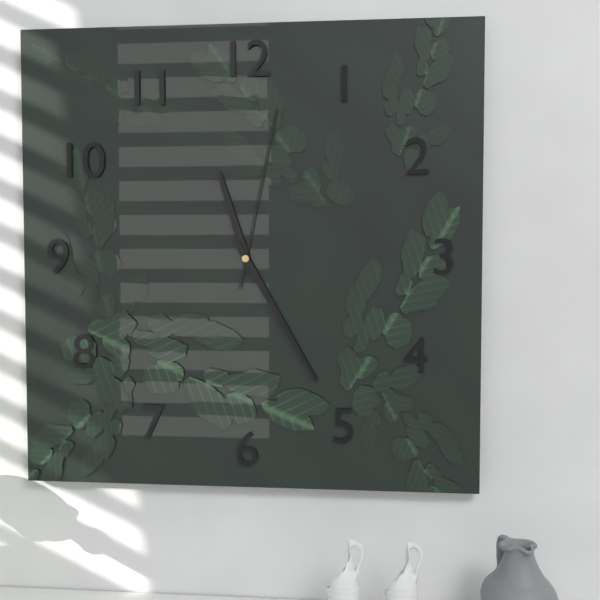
11:25:02
